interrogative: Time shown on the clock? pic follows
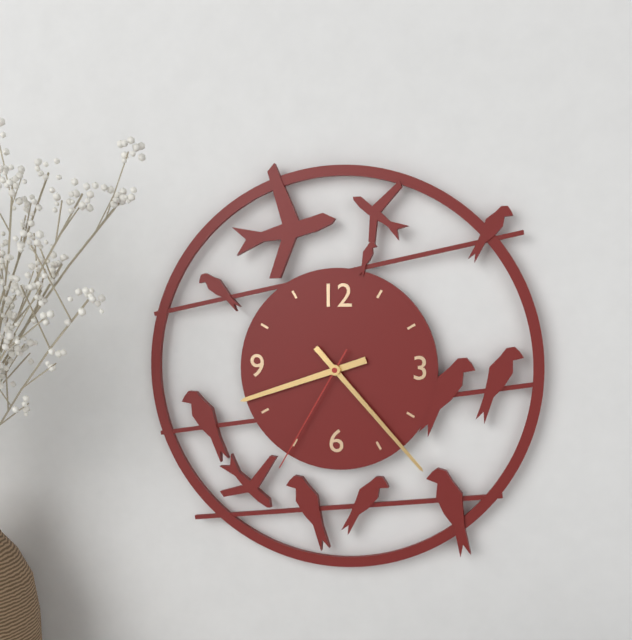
8:23:35
